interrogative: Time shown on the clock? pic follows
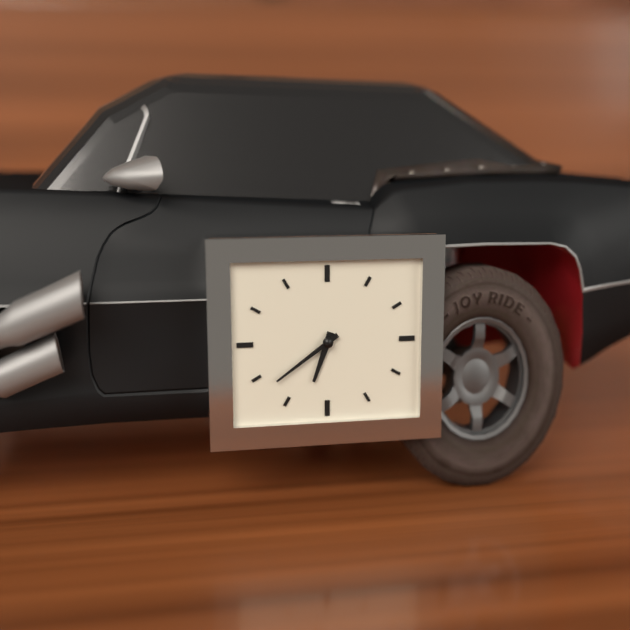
6:39
